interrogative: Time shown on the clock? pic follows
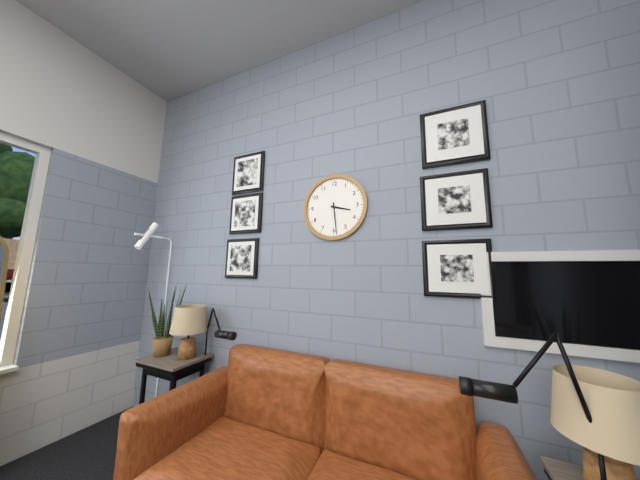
3:29
